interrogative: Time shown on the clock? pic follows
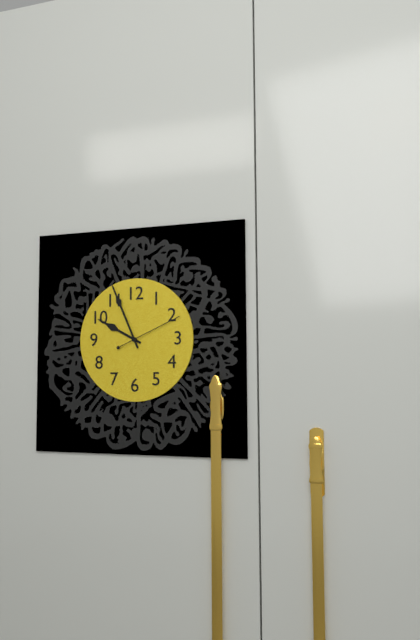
9:56:11
